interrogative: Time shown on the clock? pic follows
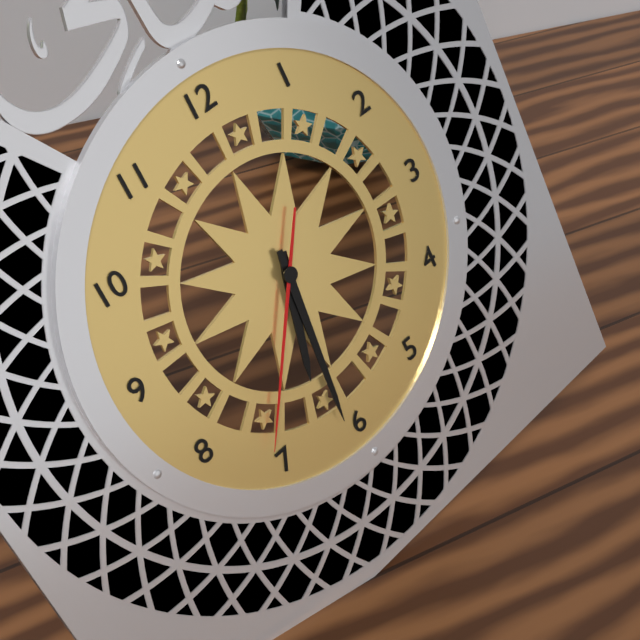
6:31:36
